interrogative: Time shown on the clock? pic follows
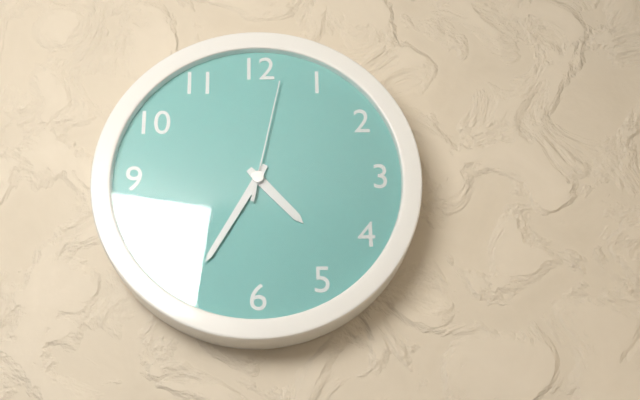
4:35:02
